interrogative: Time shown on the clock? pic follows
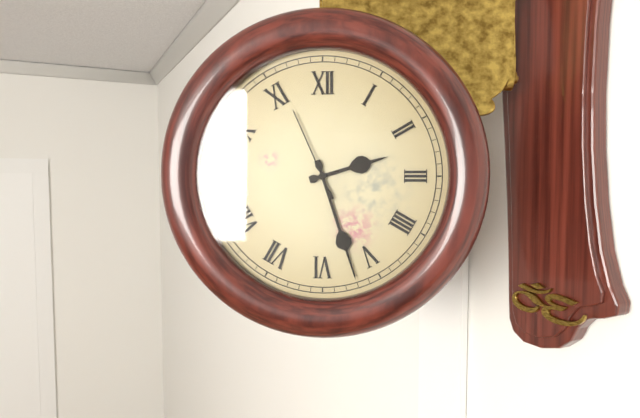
2:27:56
